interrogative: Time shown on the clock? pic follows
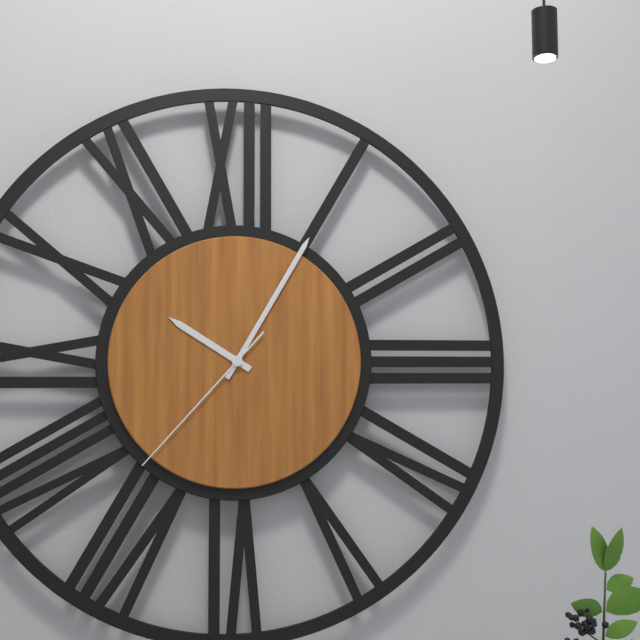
10:05:37
